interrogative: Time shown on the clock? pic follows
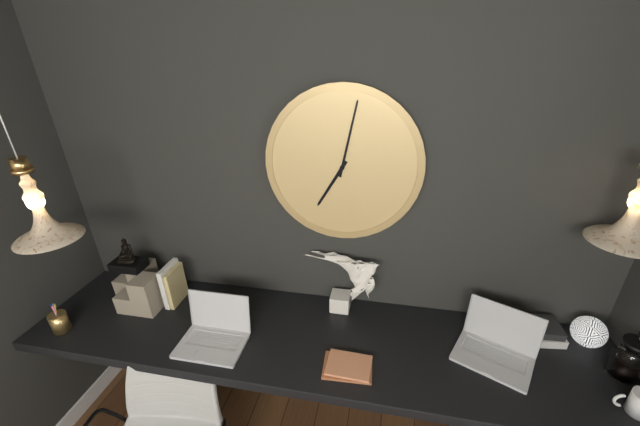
7:02
